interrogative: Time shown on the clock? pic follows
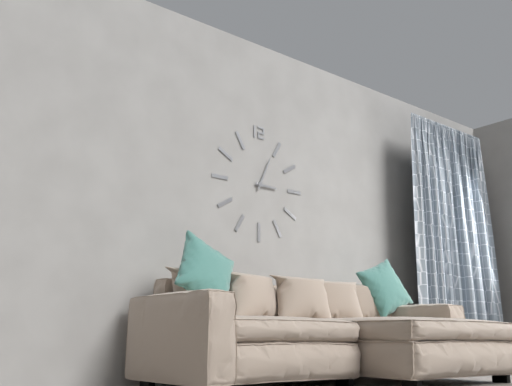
3:04
